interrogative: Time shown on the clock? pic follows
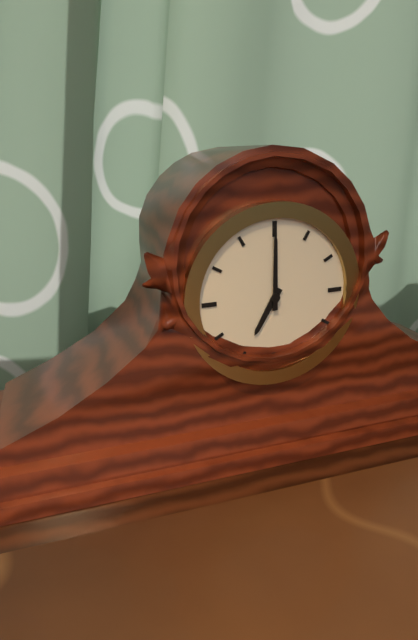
7:00
